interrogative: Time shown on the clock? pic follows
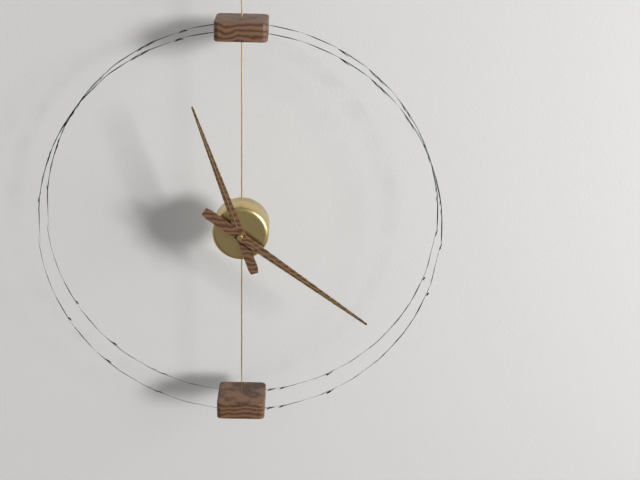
11:21
